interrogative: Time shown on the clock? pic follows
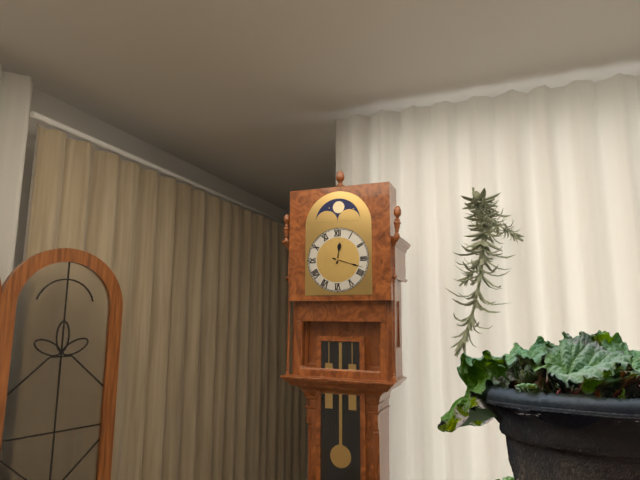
12:18
